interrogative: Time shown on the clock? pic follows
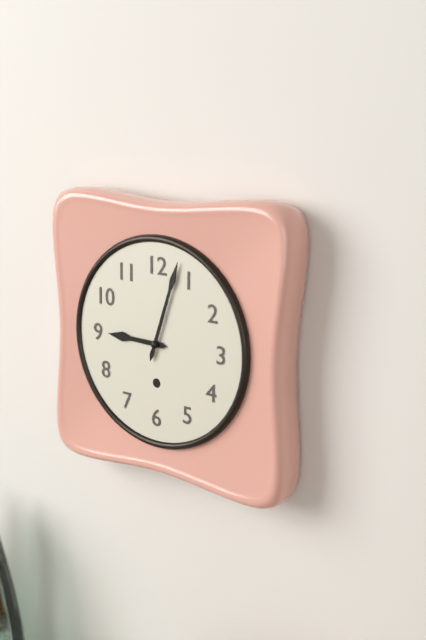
9:03
